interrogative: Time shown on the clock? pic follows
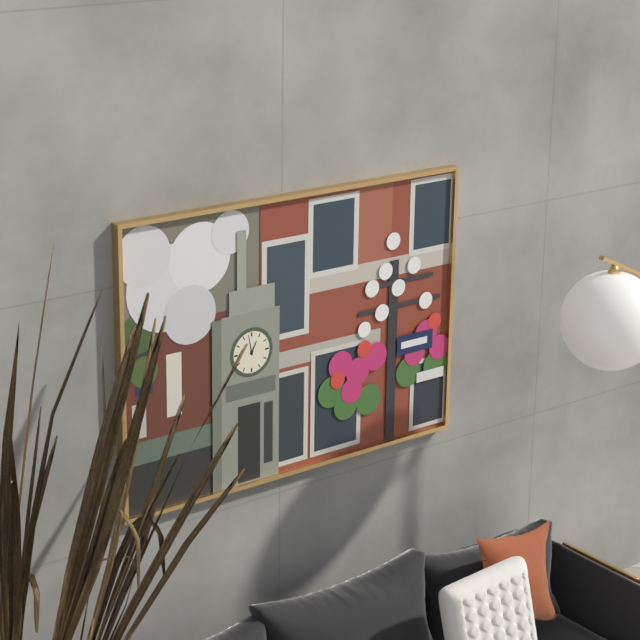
12:58
